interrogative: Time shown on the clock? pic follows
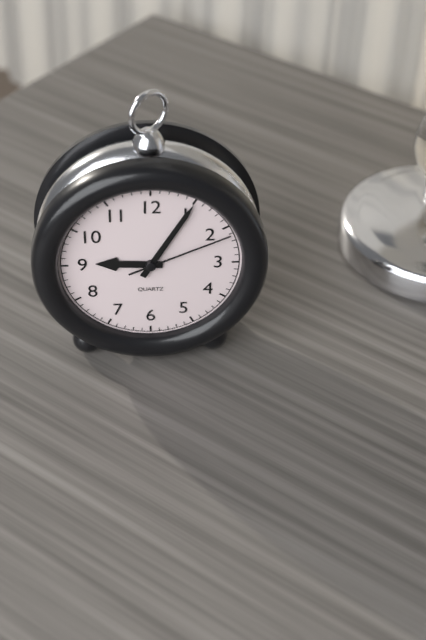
9:05:11
